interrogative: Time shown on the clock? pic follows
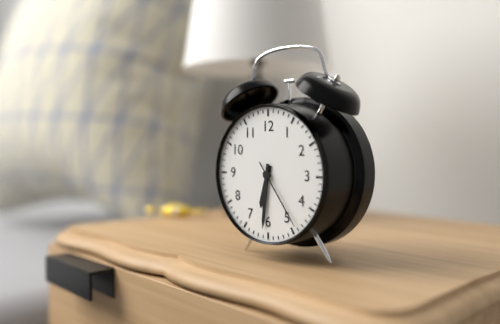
6:31:24
